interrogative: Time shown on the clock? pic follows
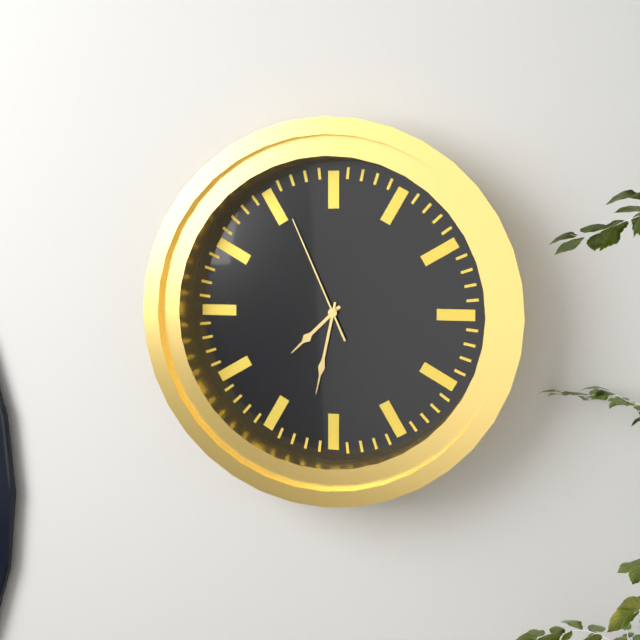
7:32:56
